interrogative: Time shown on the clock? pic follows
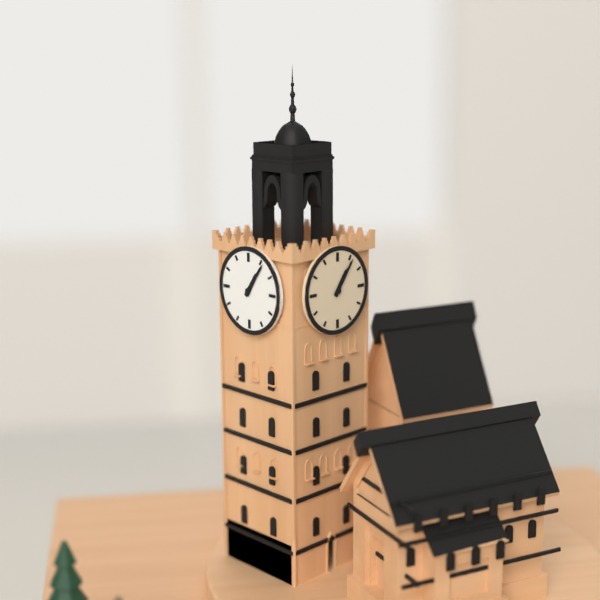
1:06
